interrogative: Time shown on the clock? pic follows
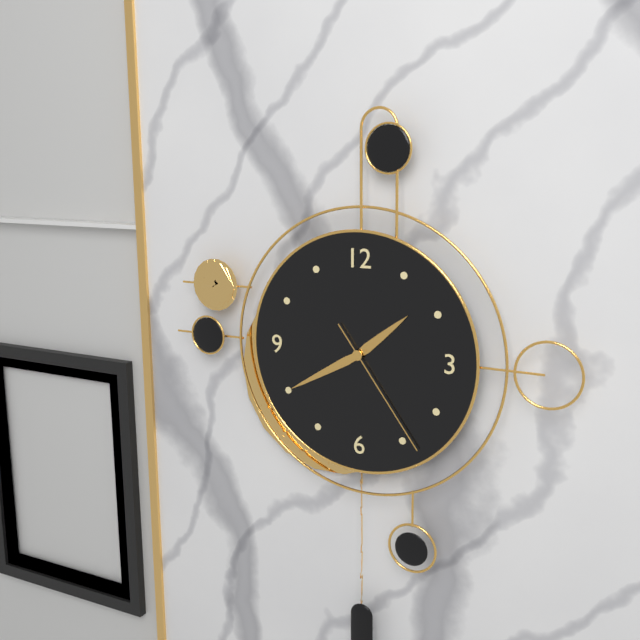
1:40:24
